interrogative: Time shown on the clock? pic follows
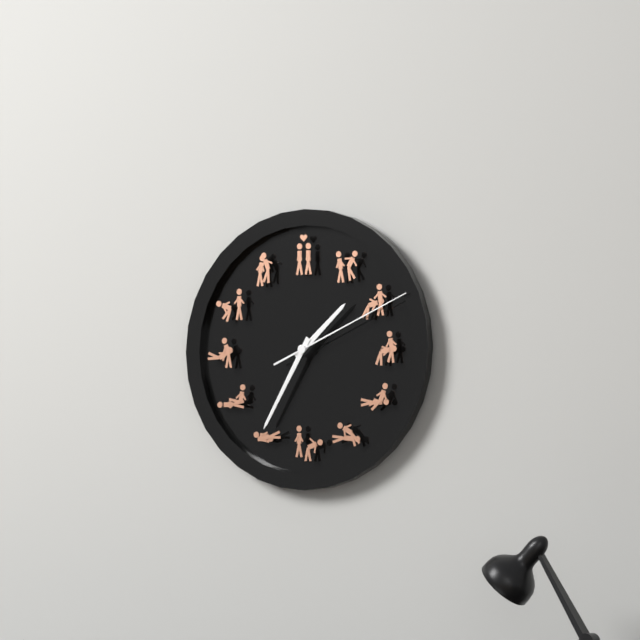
1:35:11
